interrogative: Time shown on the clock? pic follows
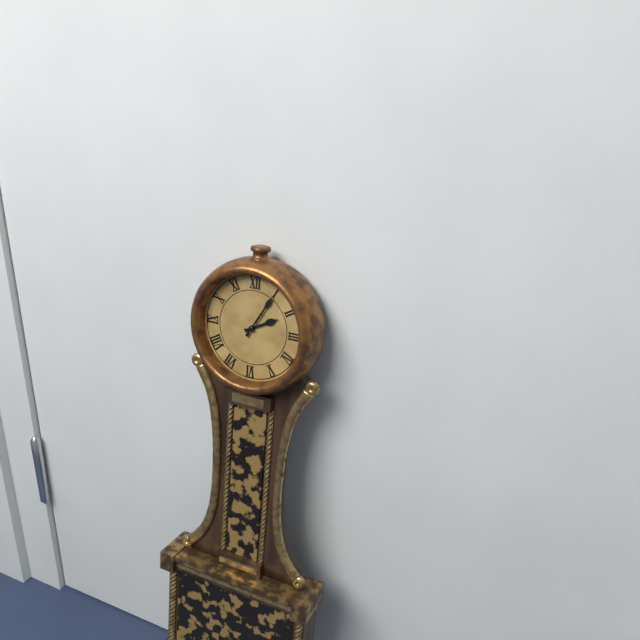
2:05
